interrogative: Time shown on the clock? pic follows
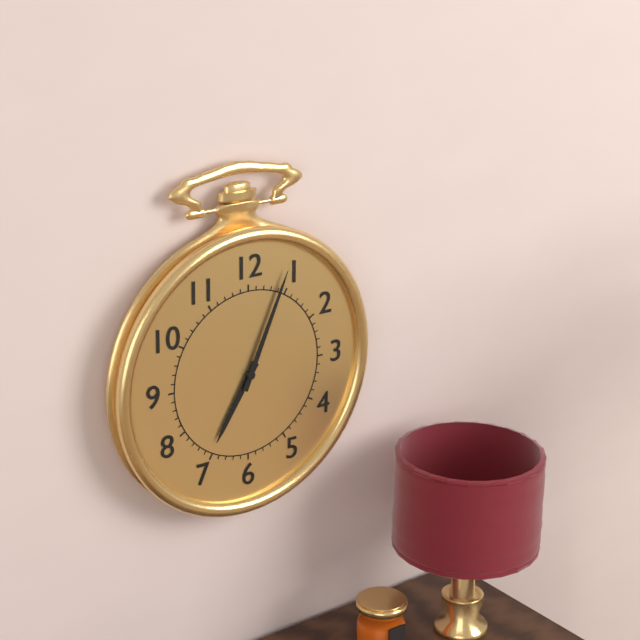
7:04
